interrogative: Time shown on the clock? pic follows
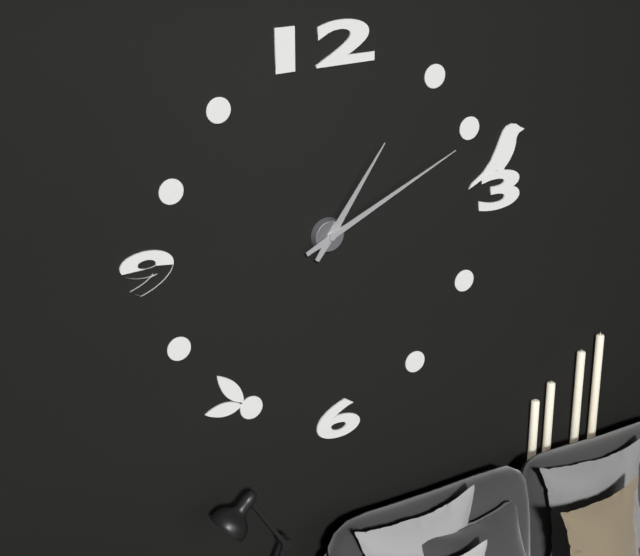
1:11
